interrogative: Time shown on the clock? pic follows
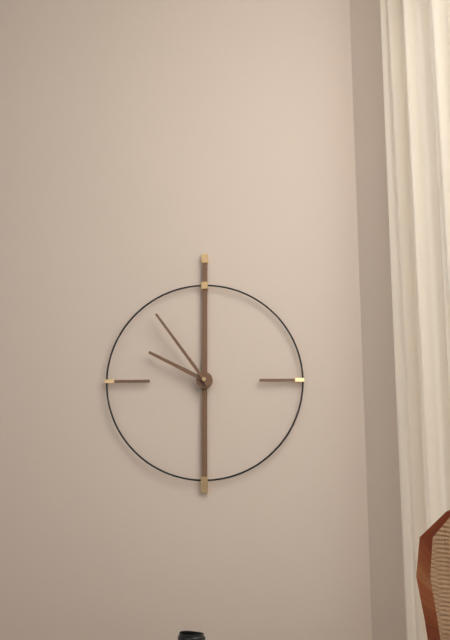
9:54
